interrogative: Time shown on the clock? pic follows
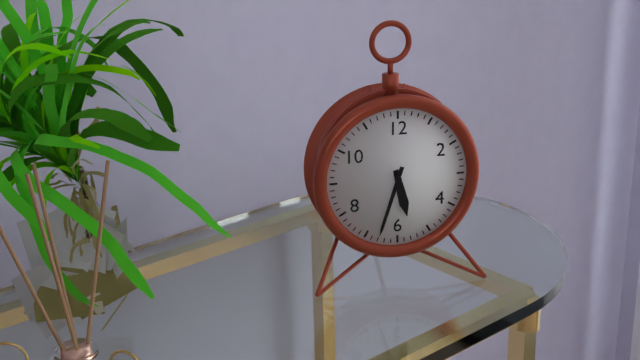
5:33
